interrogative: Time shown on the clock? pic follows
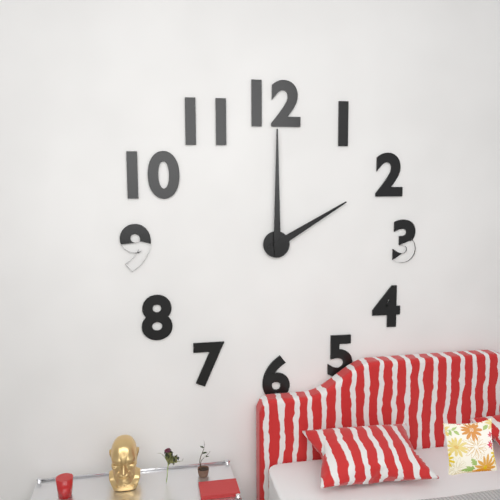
2:00
